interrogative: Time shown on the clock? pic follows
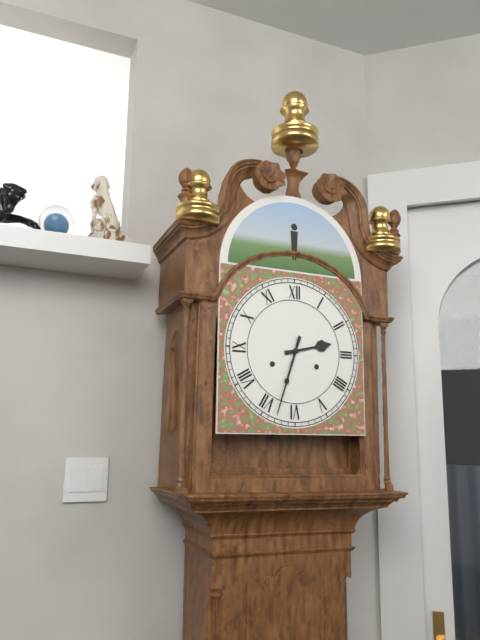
2:33
